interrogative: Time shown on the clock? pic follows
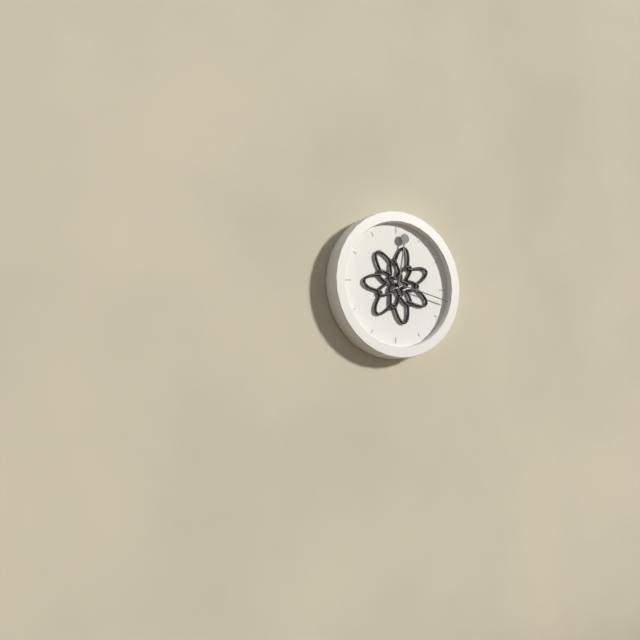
12:17
